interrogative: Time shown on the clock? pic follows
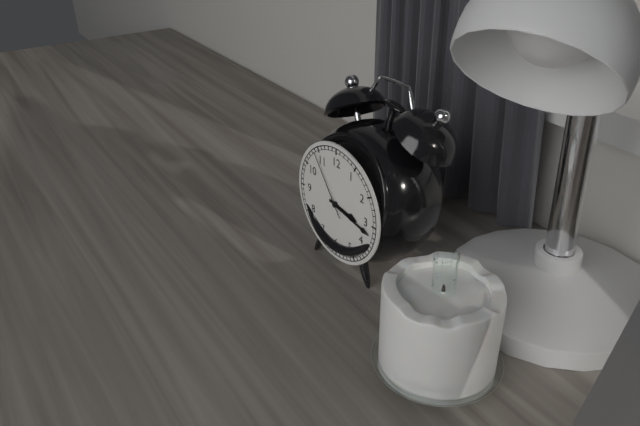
3:17:54
